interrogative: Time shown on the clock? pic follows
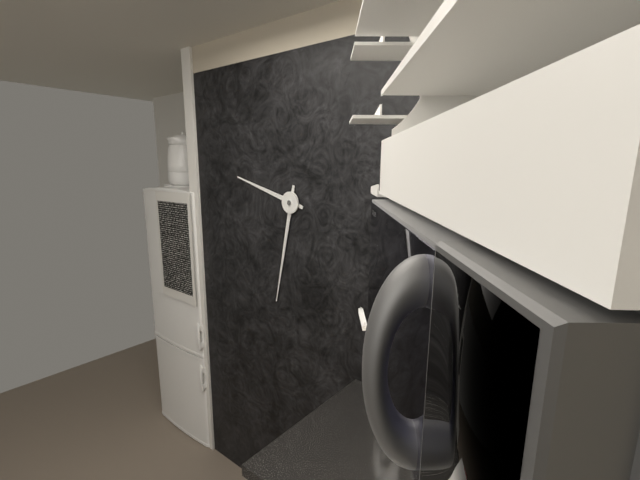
9:32
